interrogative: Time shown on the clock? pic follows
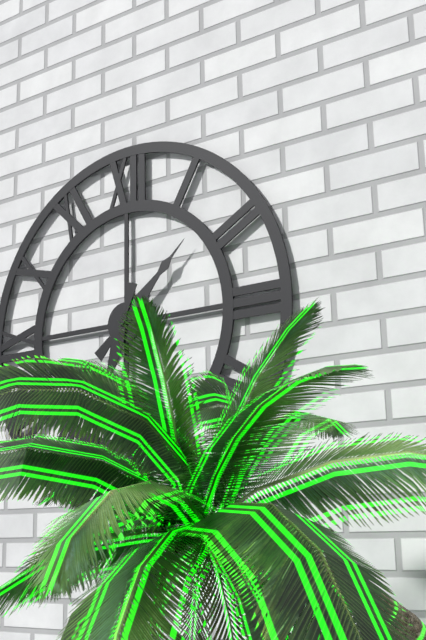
1:33
